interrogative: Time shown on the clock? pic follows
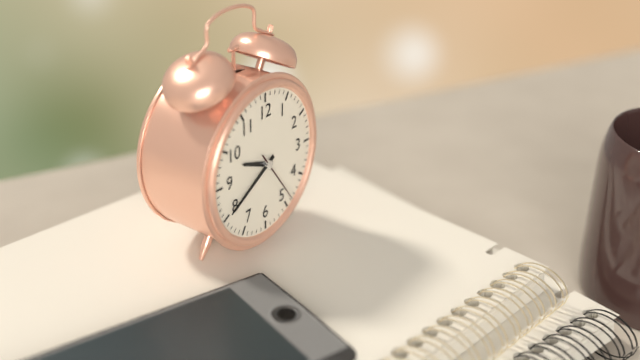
9:40:24
